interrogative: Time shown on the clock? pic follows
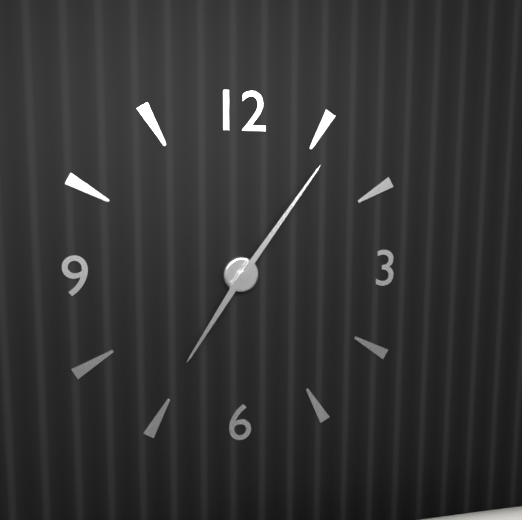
7:06
